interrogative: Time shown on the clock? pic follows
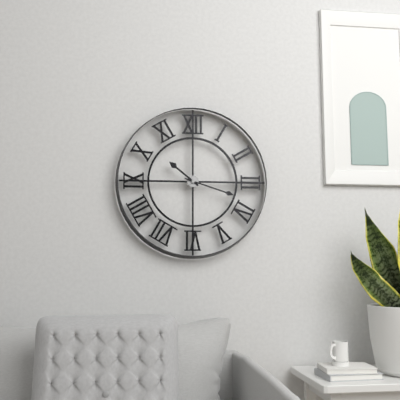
10:18
